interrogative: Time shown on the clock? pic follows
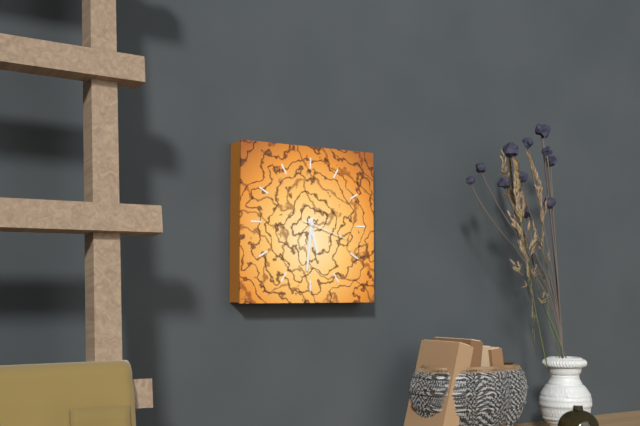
5:31
